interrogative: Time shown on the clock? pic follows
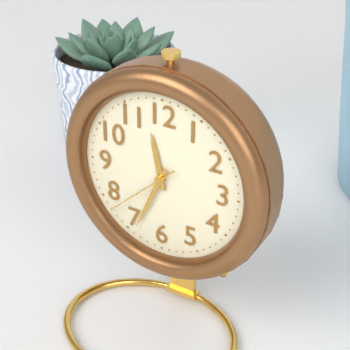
11:34:38
